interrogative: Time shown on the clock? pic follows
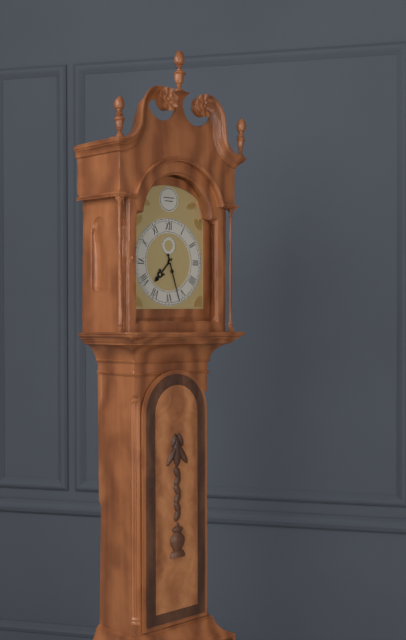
7:27
